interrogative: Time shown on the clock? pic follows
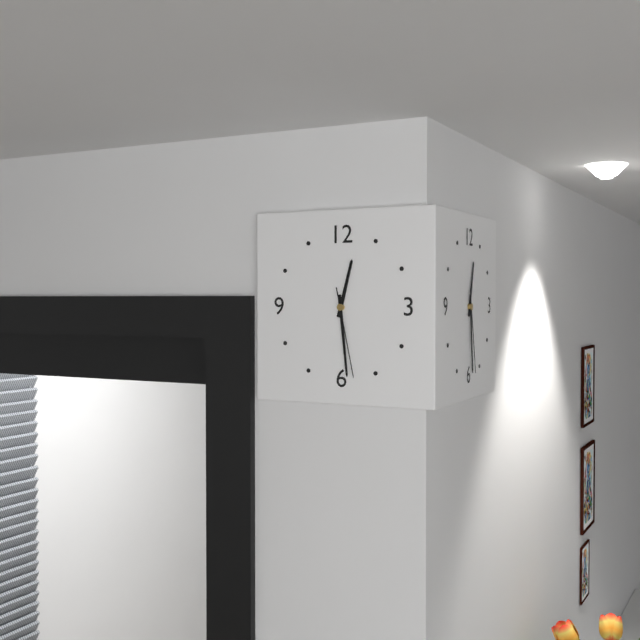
12:29:28
